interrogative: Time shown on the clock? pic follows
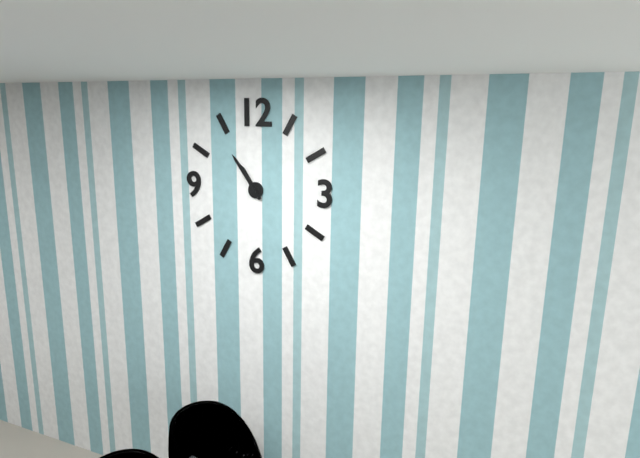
10:54
